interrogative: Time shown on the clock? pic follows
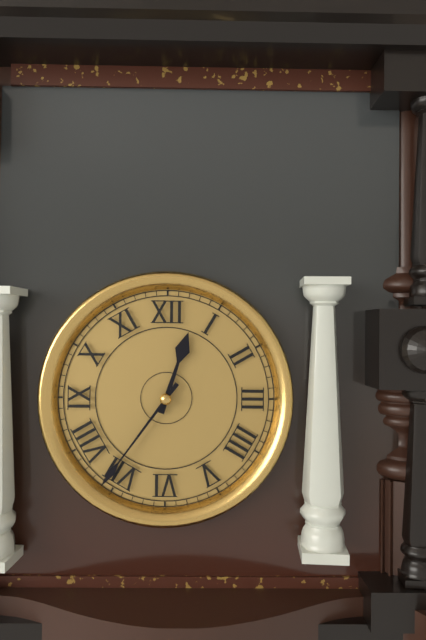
12:36
